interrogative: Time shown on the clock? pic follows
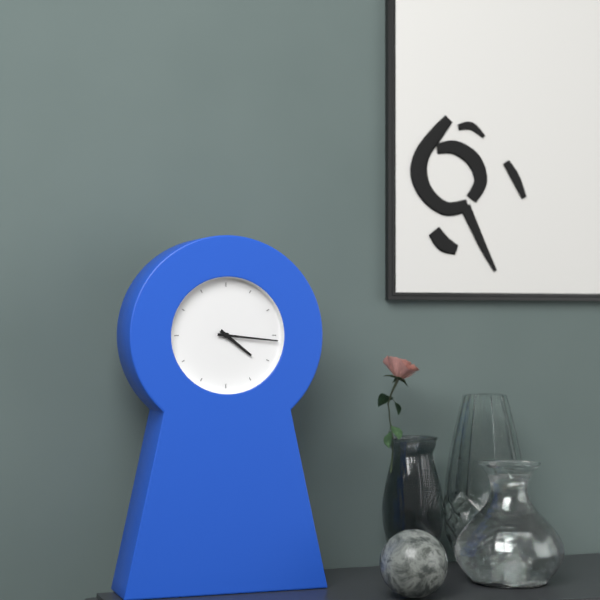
4:16
